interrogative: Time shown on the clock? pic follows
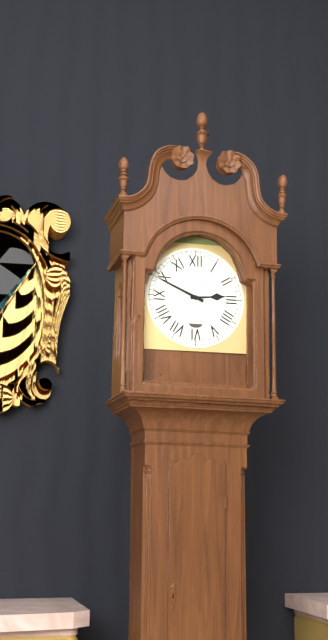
2:49
